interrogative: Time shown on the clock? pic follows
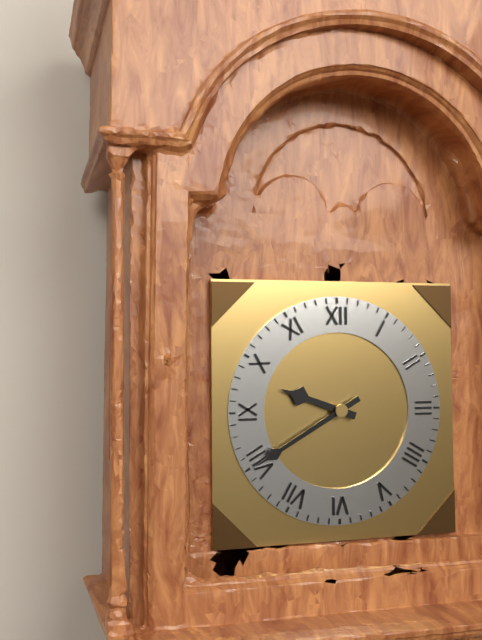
9:40
